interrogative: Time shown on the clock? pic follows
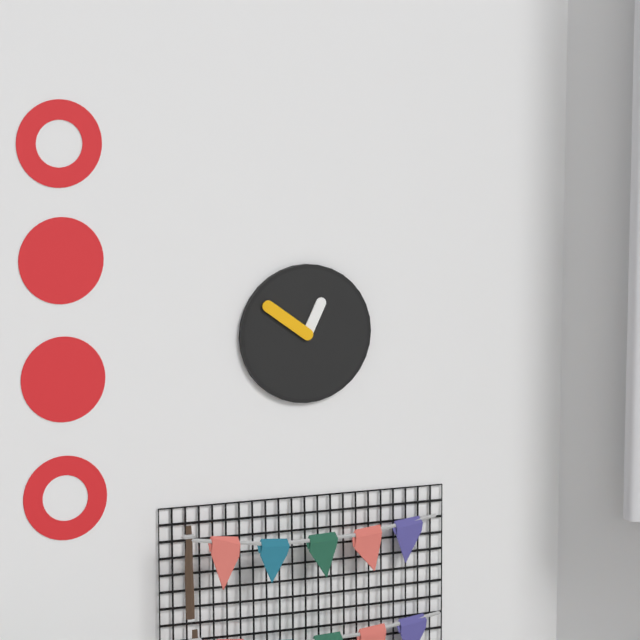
12:51
